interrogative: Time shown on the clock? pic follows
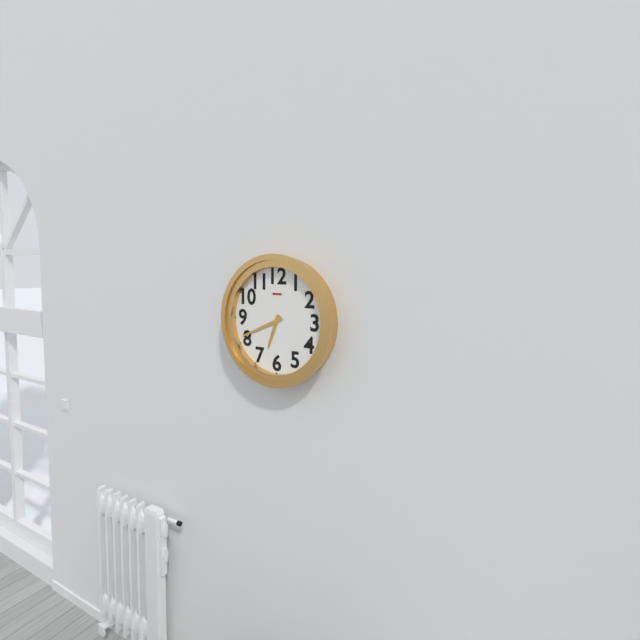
6:41
